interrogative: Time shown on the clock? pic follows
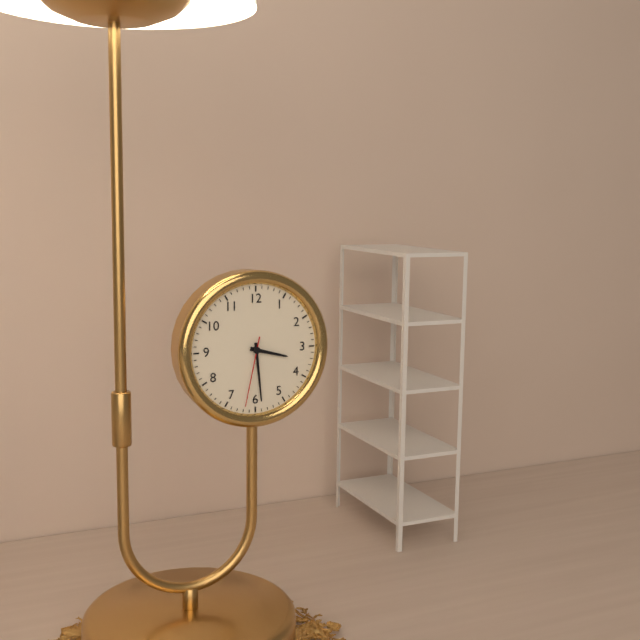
3:29:32
